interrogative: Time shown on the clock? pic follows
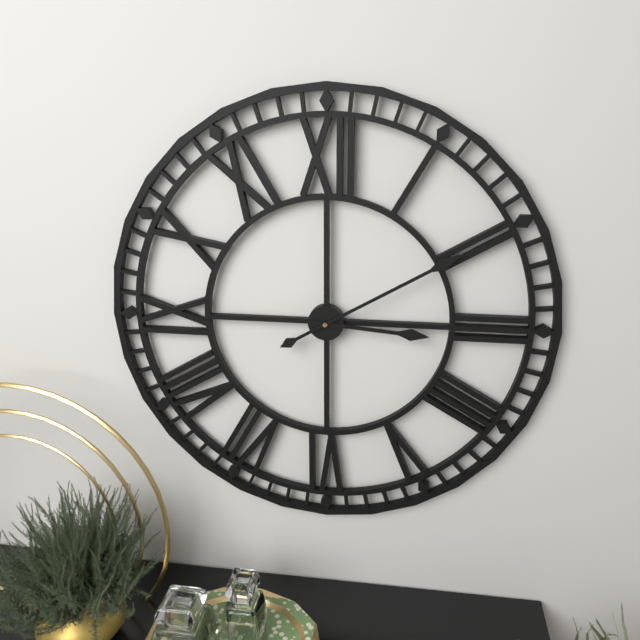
3:10
